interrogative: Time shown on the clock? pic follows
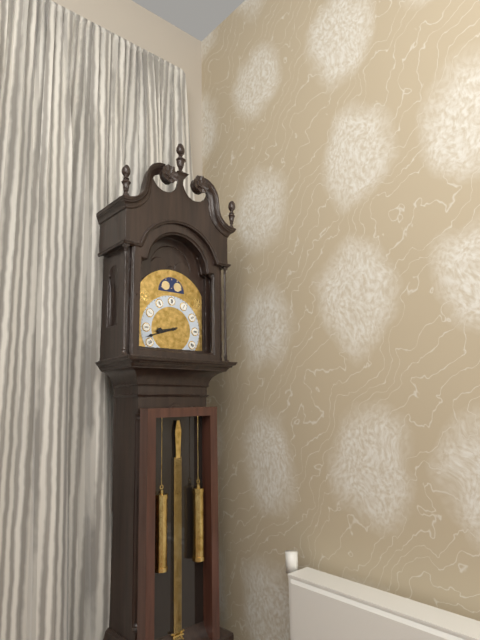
8:42
